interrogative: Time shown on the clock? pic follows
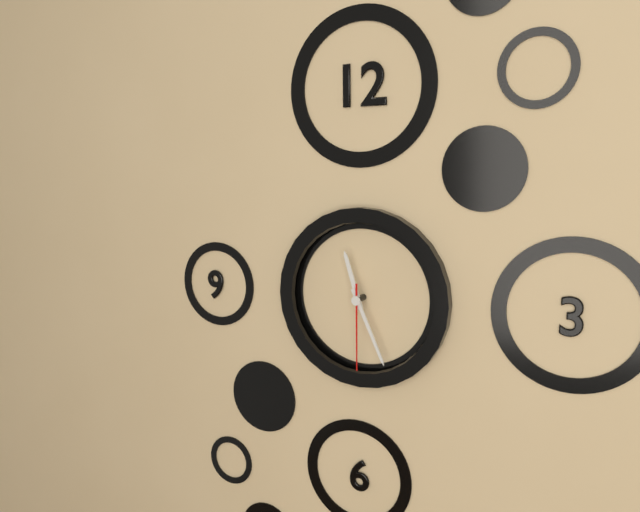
11:26:30
